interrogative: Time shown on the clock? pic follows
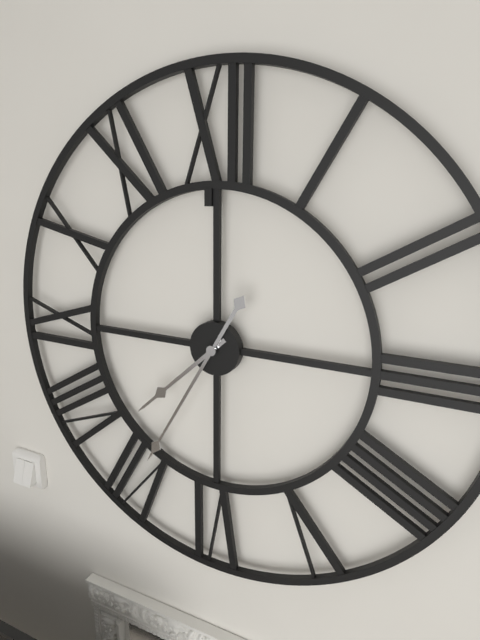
7:35
